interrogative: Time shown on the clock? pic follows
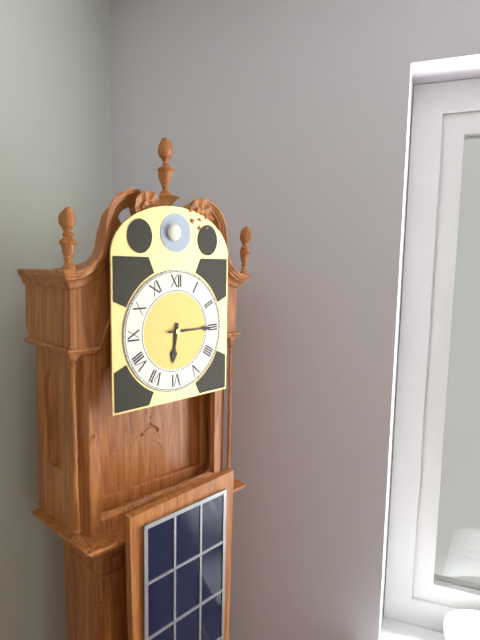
6:15
